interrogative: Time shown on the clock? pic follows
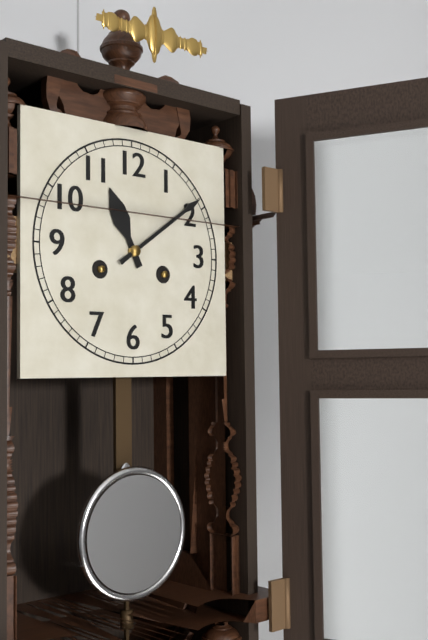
11:09
